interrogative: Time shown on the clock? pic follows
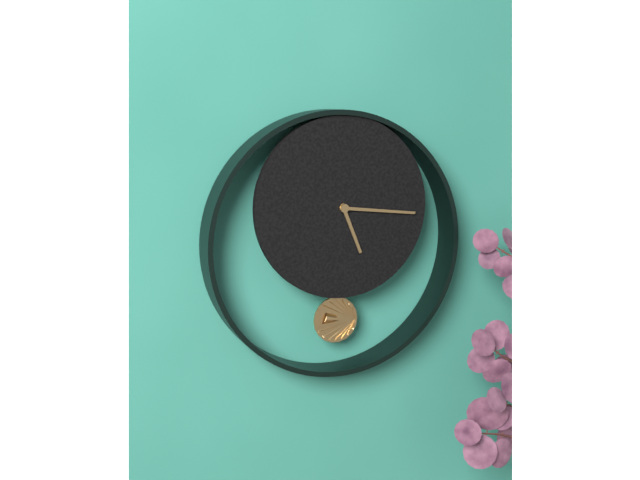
5:16
